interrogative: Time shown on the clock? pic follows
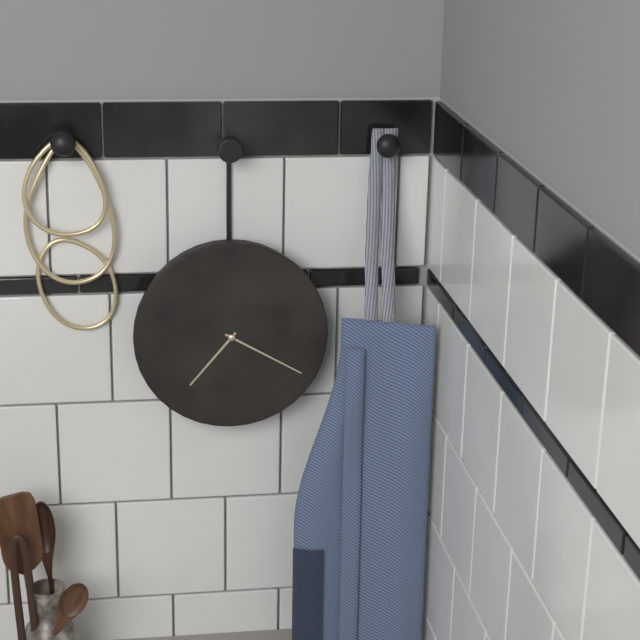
7:20
